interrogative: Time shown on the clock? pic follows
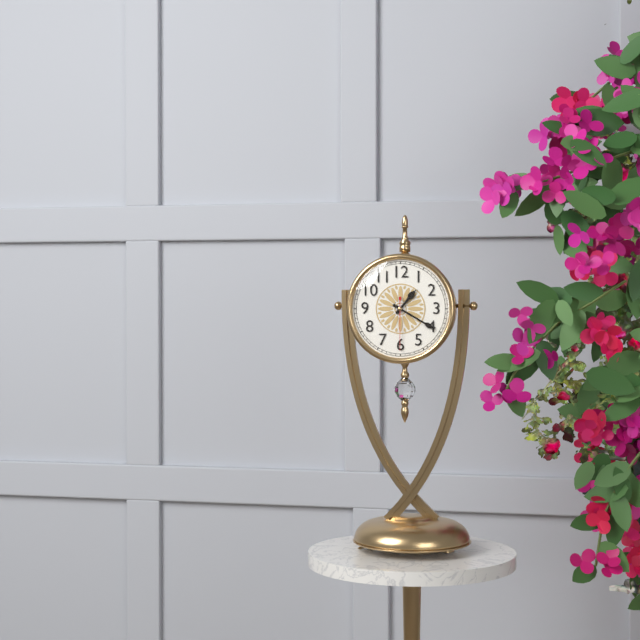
1:20:30
